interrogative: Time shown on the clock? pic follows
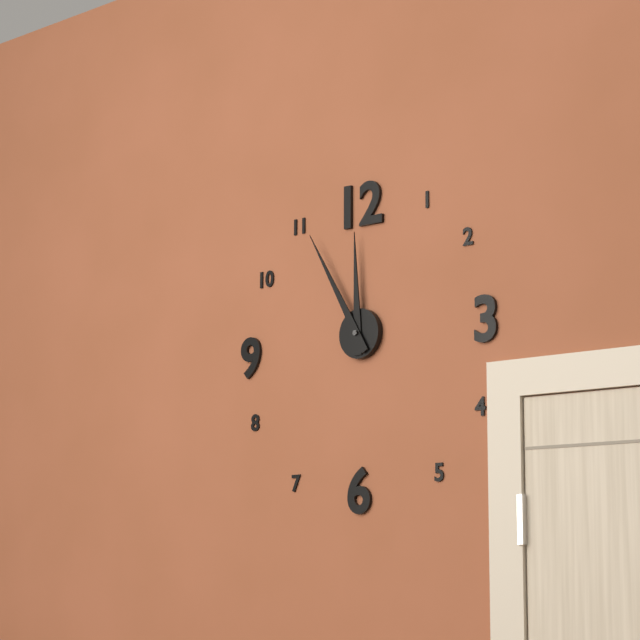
11:55
